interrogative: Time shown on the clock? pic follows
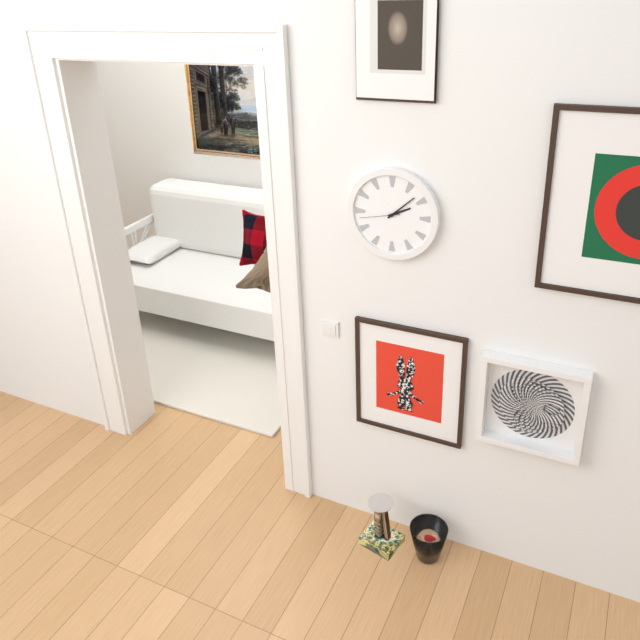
2:08
